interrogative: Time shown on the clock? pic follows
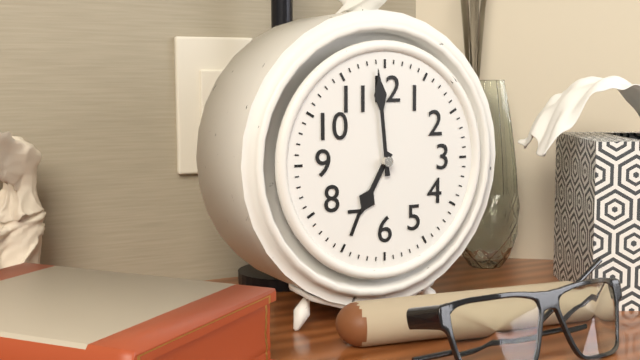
6:59
